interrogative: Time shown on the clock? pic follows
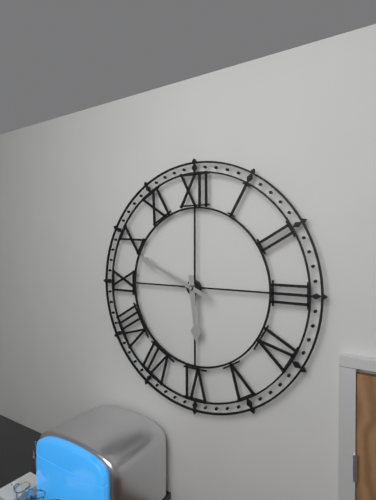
5:49
